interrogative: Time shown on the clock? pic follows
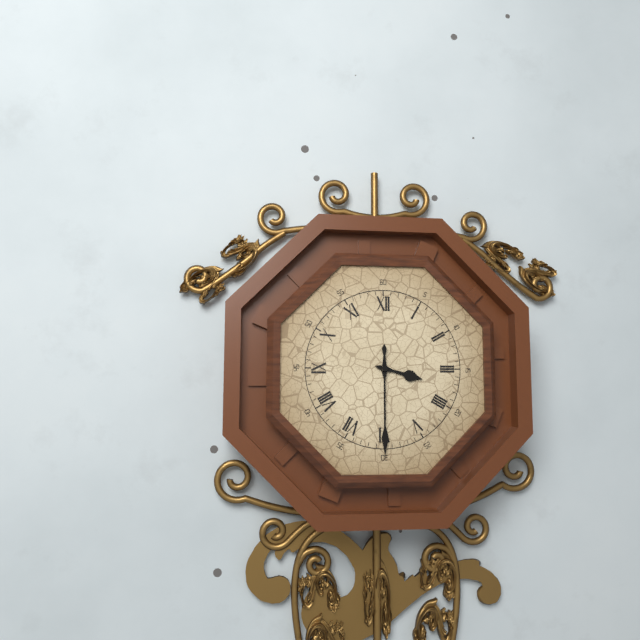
3:30
